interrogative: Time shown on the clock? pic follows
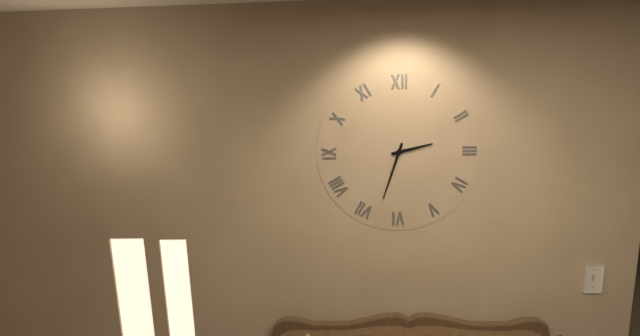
2:33
